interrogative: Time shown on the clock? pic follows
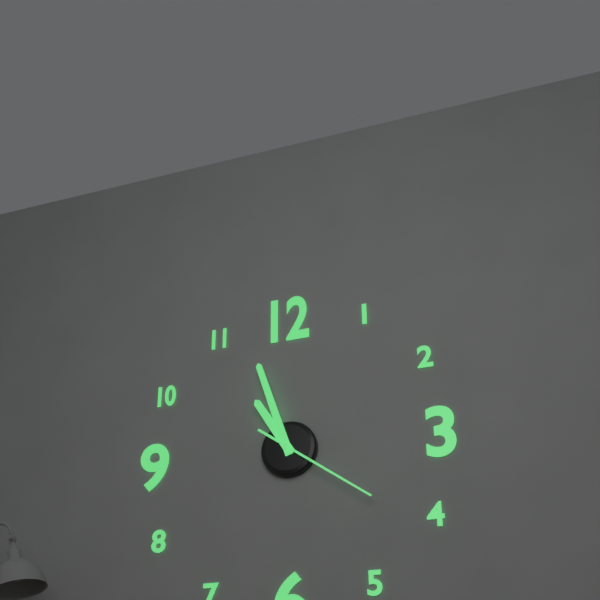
10:57:21
